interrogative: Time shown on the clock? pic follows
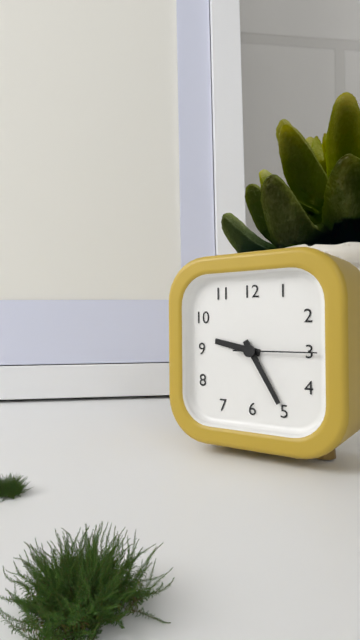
9:25:15
